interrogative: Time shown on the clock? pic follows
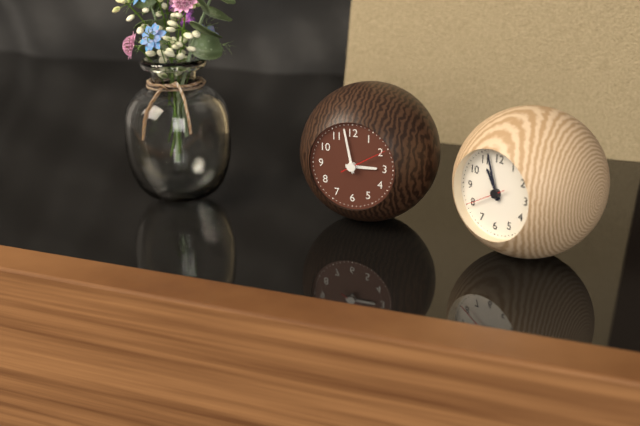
2:58
